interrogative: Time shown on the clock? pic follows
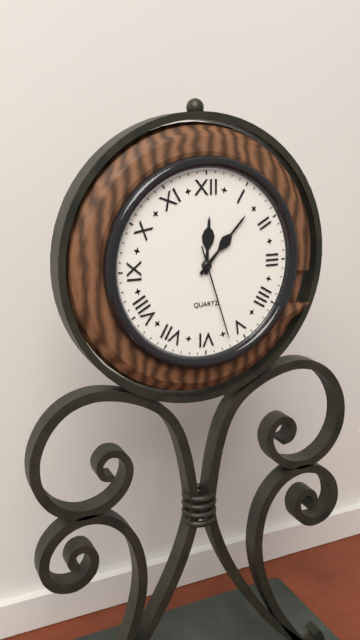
12:07:27
